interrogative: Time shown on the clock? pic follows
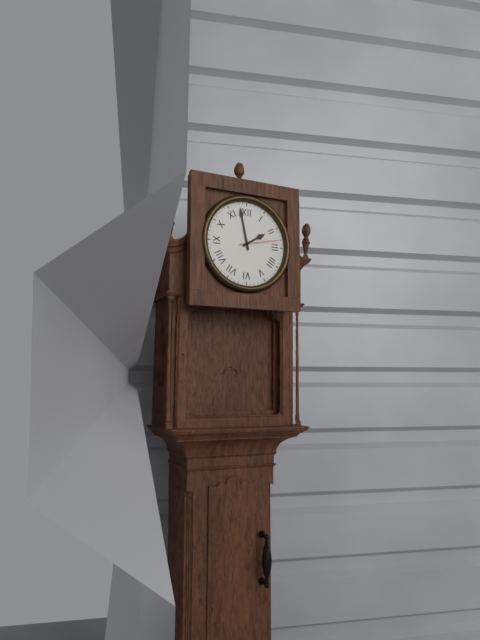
1:58
